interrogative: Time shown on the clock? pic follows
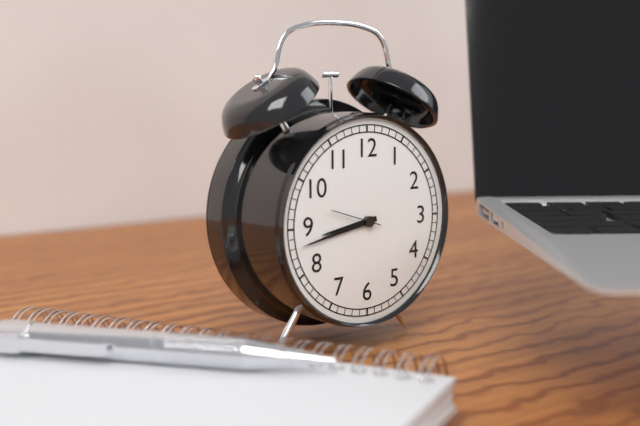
8:43
